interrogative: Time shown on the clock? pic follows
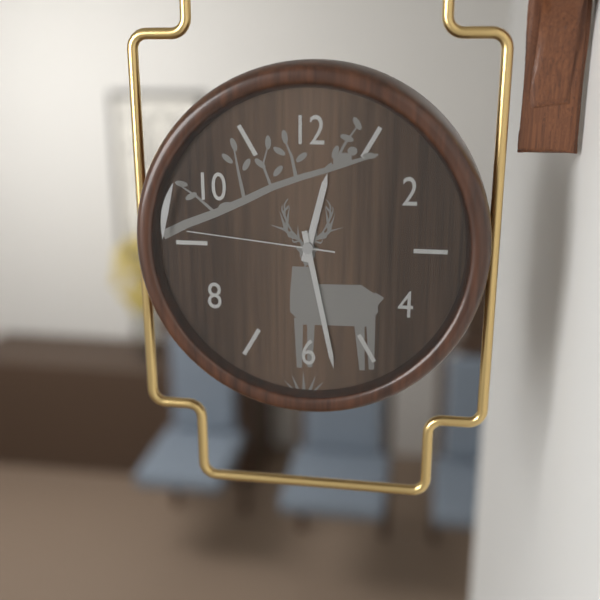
12:28:46
